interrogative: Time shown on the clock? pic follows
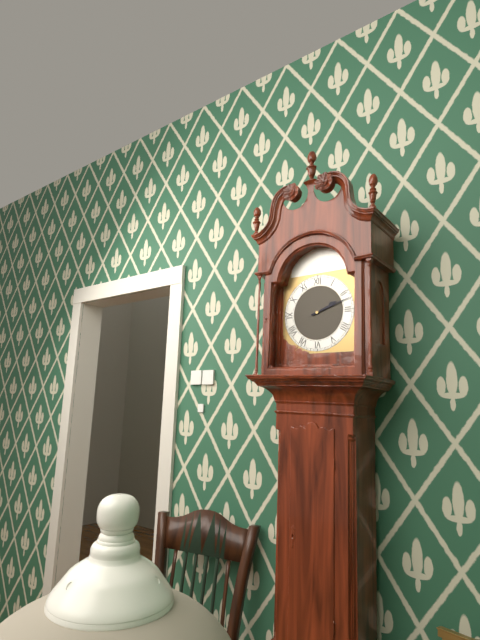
2:12
